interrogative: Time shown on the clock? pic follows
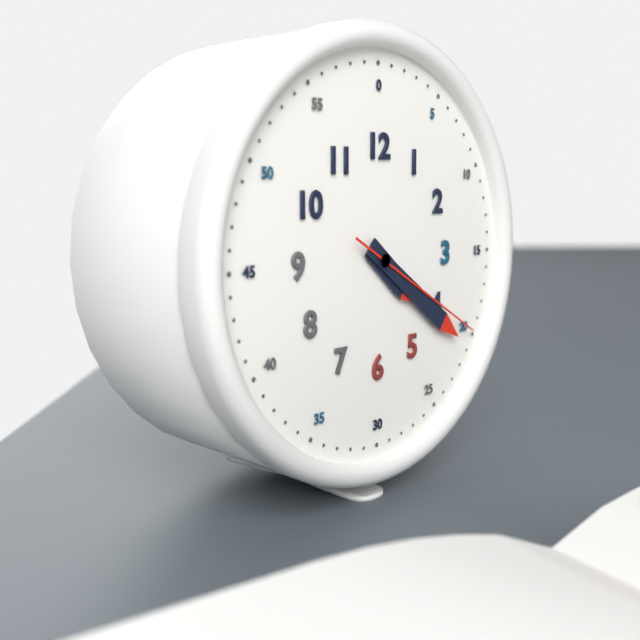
4:21:20
